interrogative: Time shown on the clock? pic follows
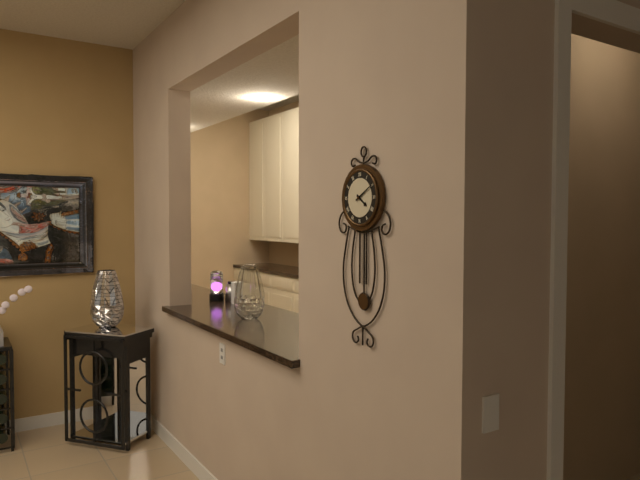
4:10
